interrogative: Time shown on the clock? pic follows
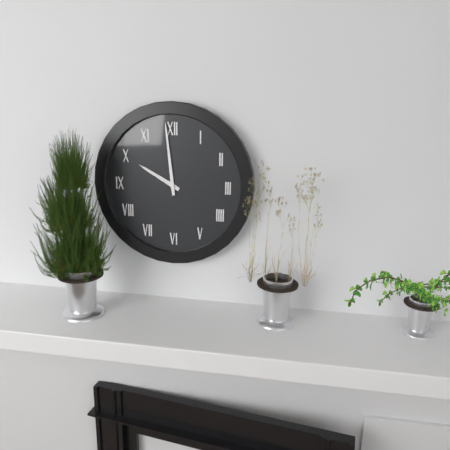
9:59
